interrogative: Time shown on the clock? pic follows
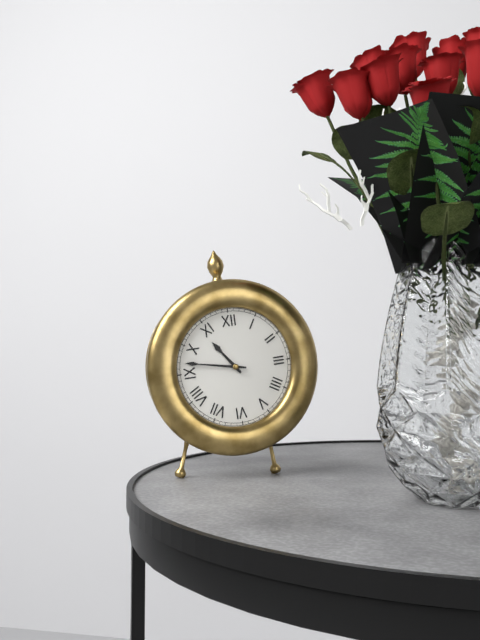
10:47
